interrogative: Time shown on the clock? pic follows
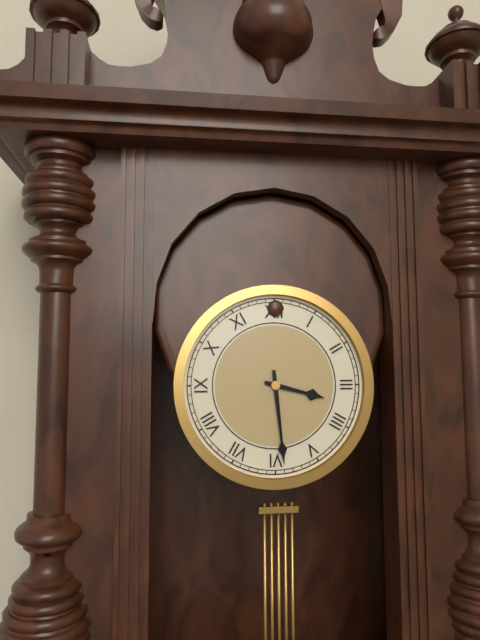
3:29
